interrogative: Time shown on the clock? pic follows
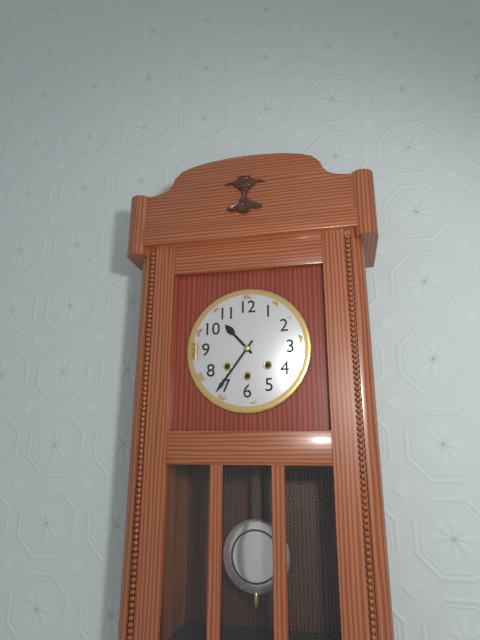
10:36
